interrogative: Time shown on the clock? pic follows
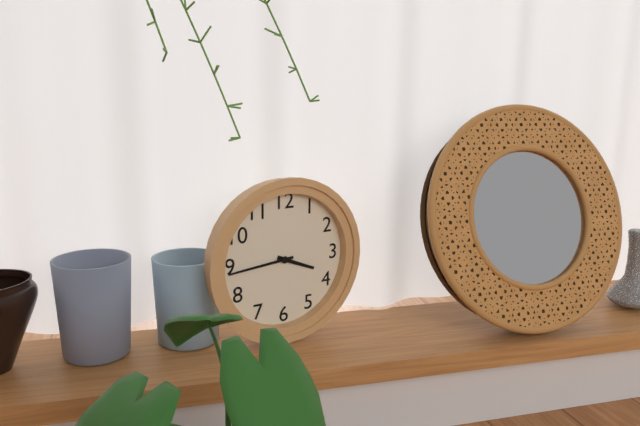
3:44
